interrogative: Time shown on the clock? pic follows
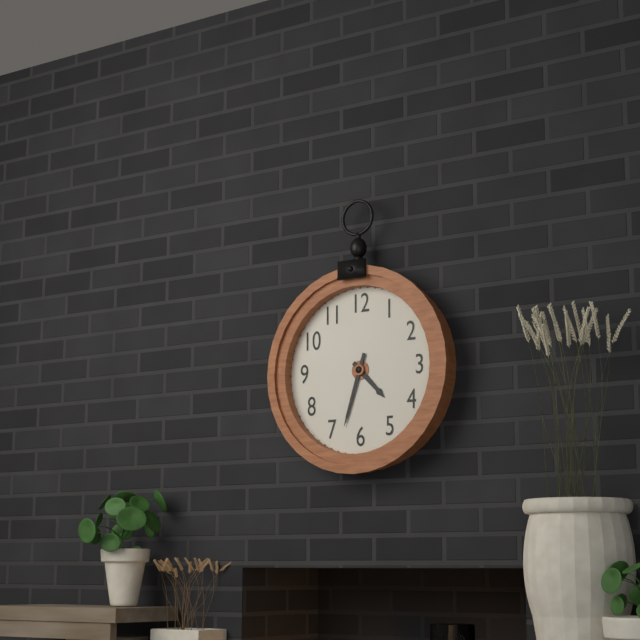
4:33
